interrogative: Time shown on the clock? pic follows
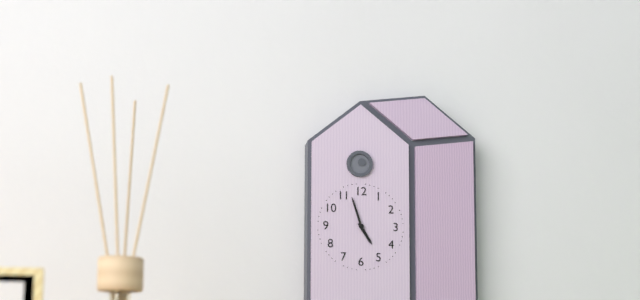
4:57
